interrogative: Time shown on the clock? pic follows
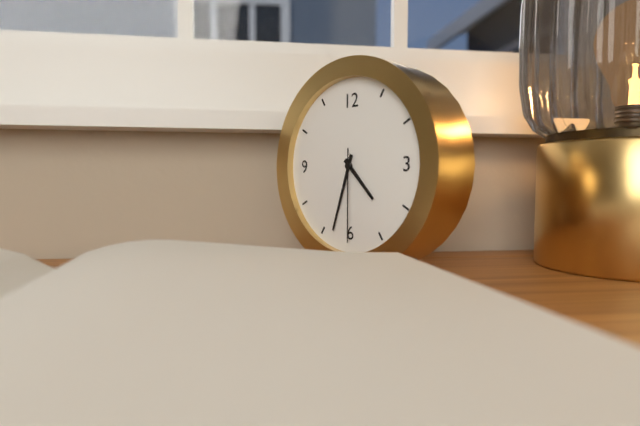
4:33:30
